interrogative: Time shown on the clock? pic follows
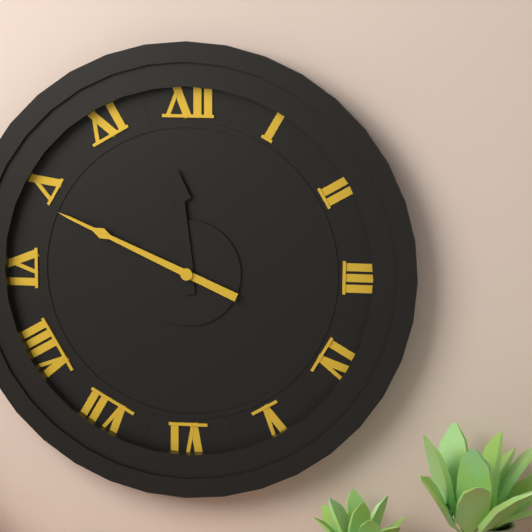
11:49
